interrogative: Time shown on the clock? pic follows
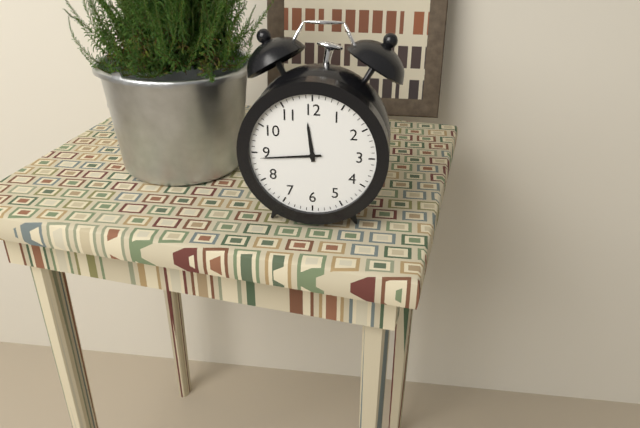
11:44
